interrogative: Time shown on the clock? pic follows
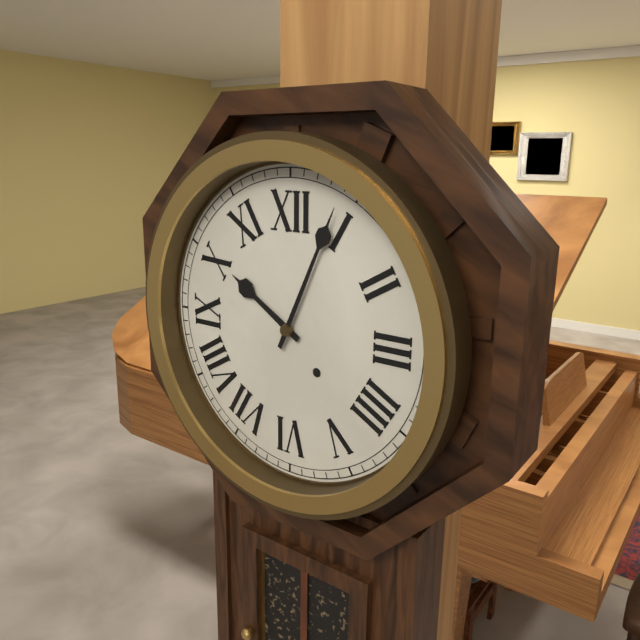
10:04
